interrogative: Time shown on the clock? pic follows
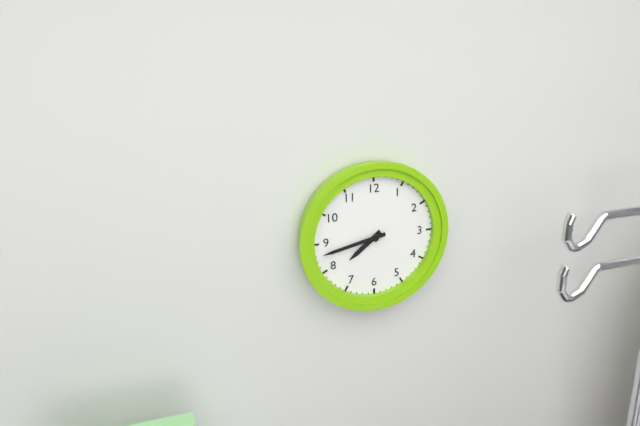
7:43
